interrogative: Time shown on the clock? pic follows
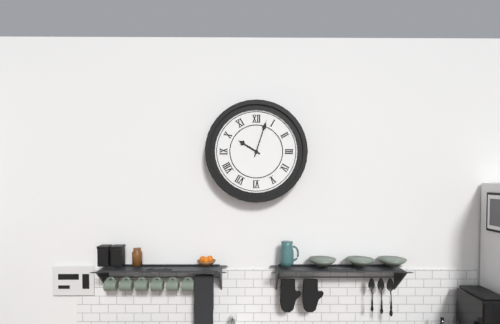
10:03
